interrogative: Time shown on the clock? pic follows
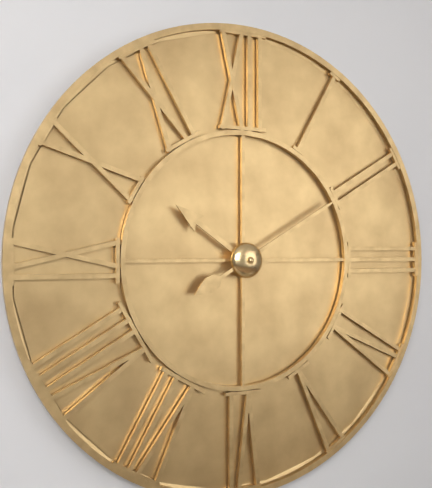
10:10
